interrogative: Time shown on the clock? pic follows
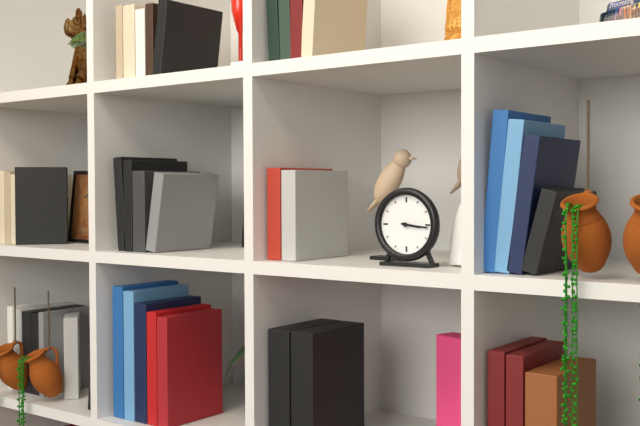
3:16
